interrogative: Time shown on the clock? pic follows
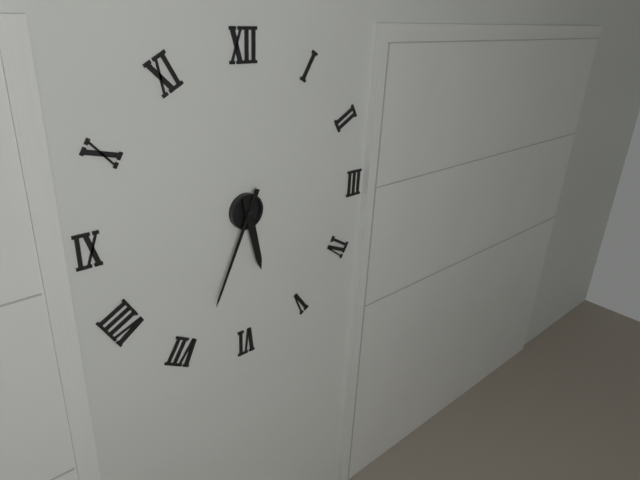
5:34
